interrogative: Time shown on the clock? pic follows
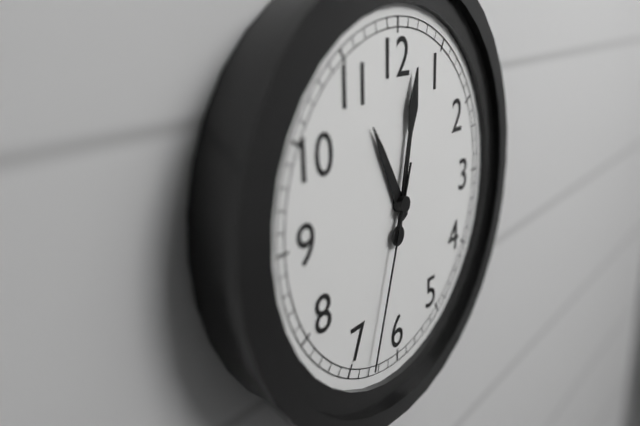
11:02:33
